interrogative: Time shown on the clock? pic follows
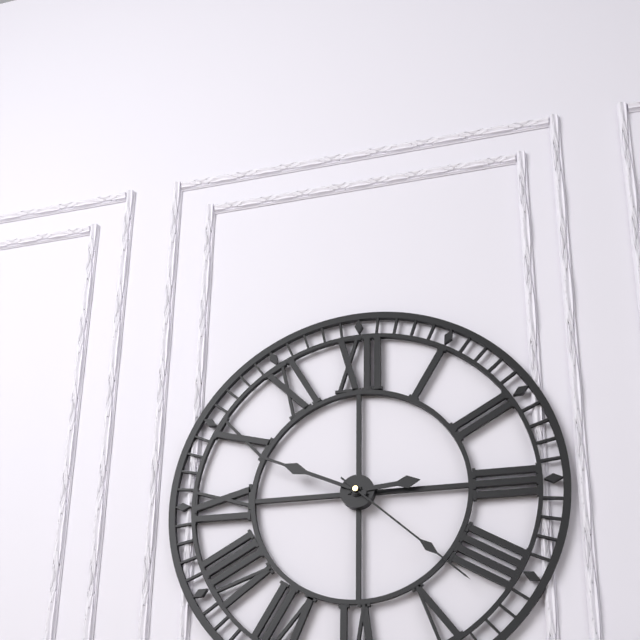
2:49:22
